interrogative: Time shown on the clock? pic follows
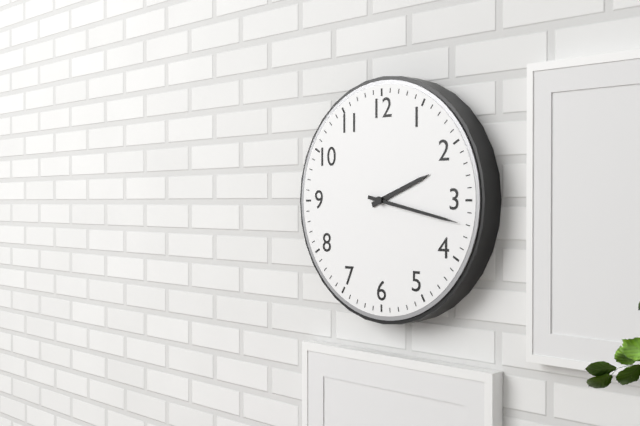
2:17
